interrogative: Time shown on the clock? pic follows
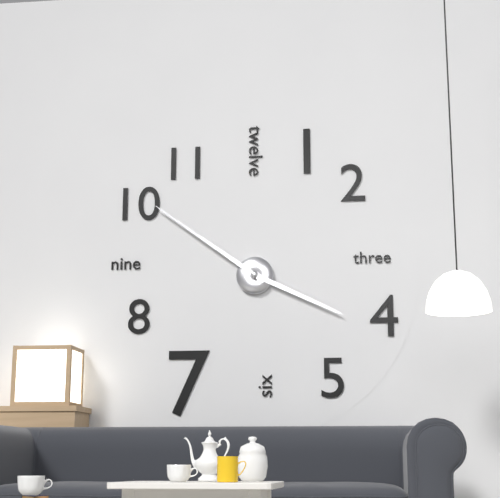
3:51
